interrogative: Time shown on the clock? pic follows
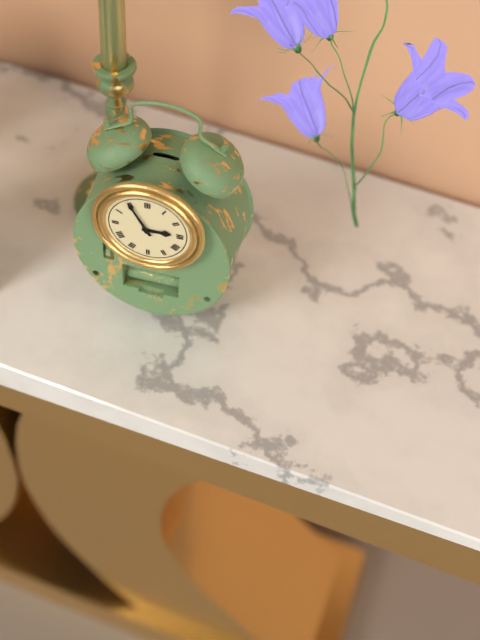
2:55
